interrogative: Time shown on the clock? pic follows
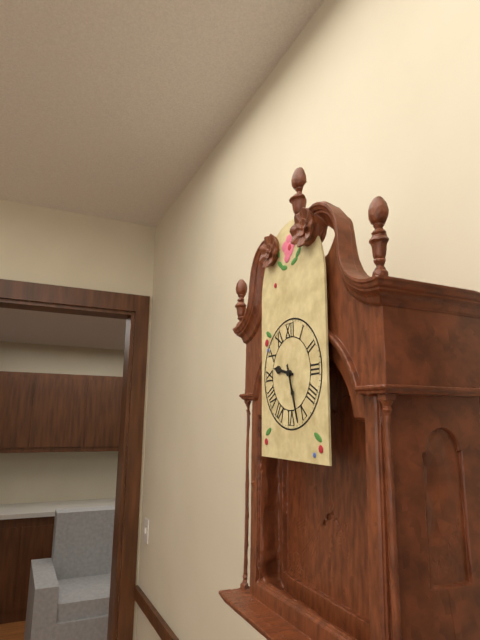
9:27
